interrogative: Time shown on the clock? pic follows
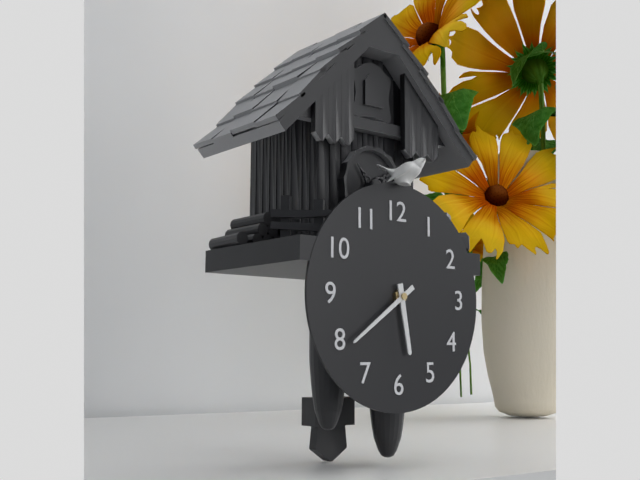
5:39
